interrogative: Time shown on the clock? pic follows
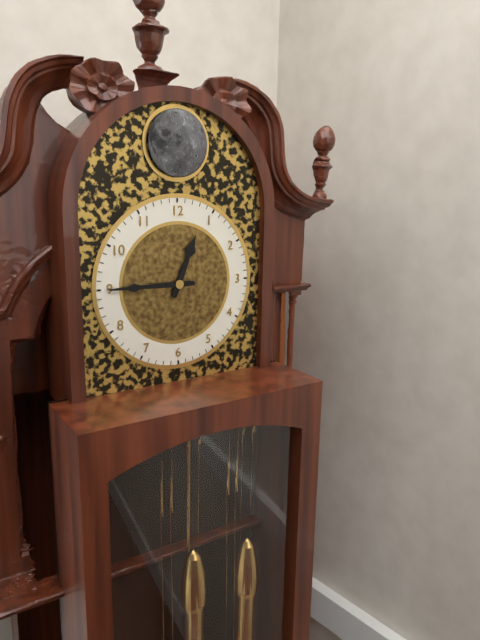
12:45
